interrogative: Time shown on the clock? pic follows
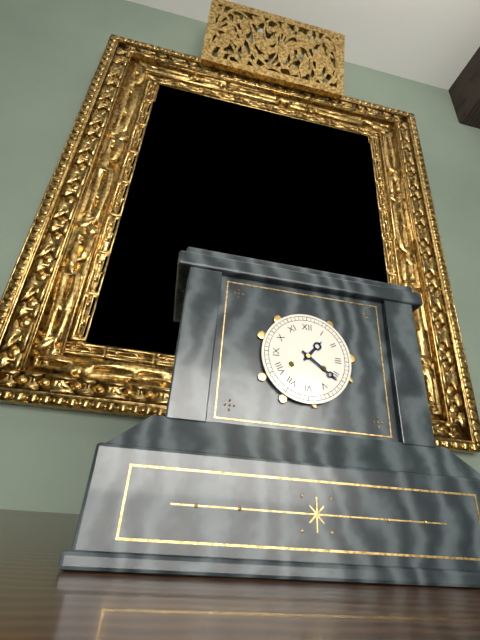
1:21
